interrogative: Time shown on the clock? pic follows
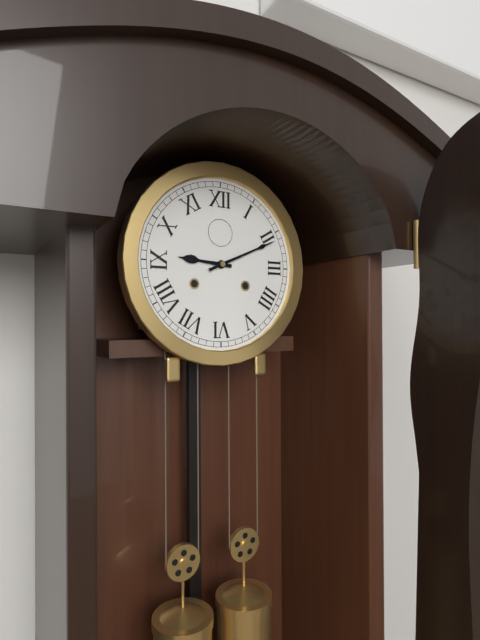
9:11
